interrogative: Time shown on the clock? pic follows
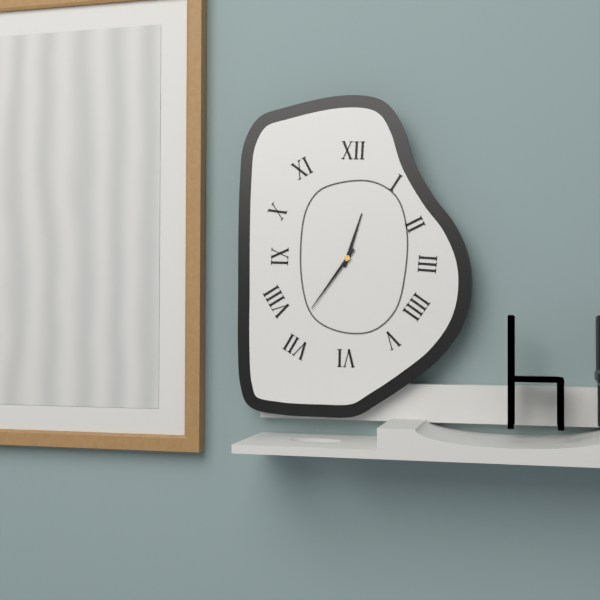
12:36
